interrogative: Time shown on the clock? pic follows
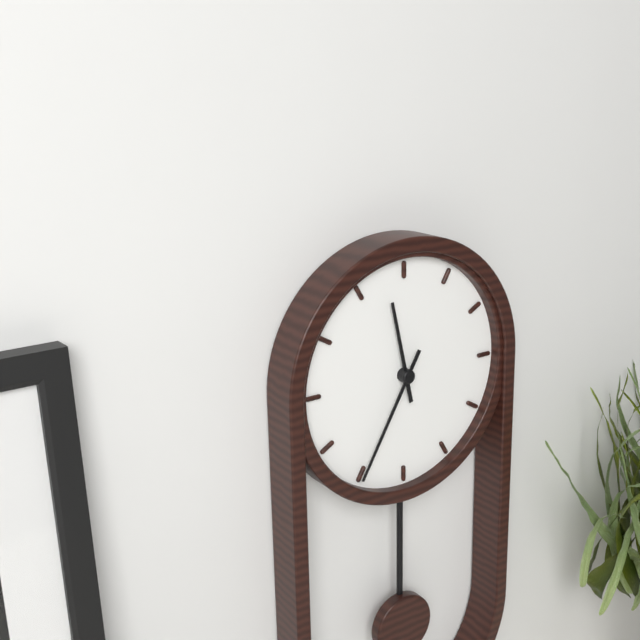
11:35
